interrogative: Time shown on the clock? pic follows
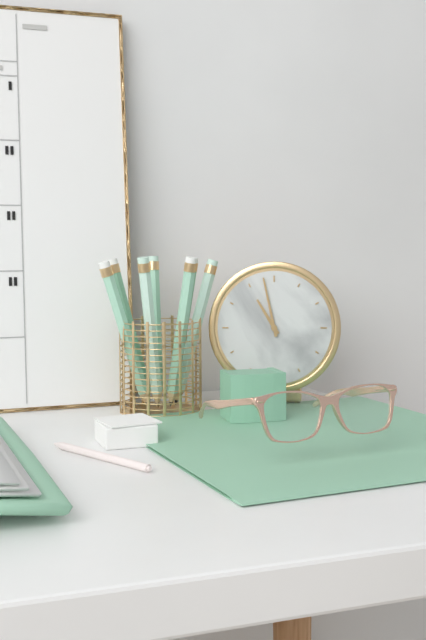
10:58
